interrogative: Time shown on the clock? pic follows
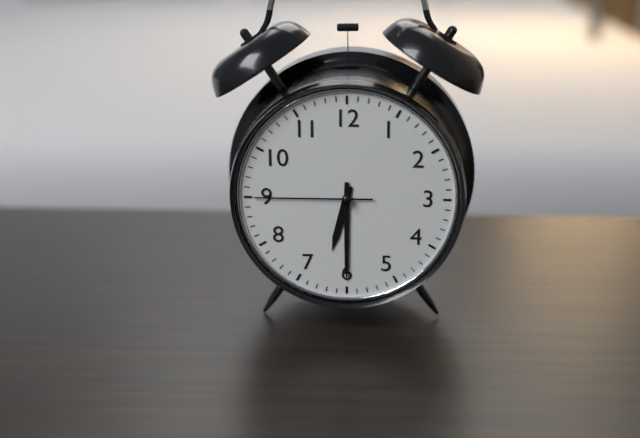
6:30:45
